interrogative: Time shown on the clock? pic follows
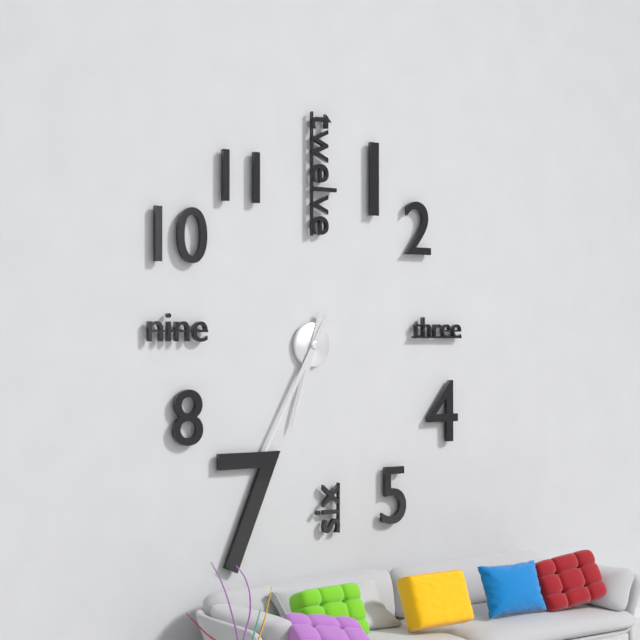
6:35
